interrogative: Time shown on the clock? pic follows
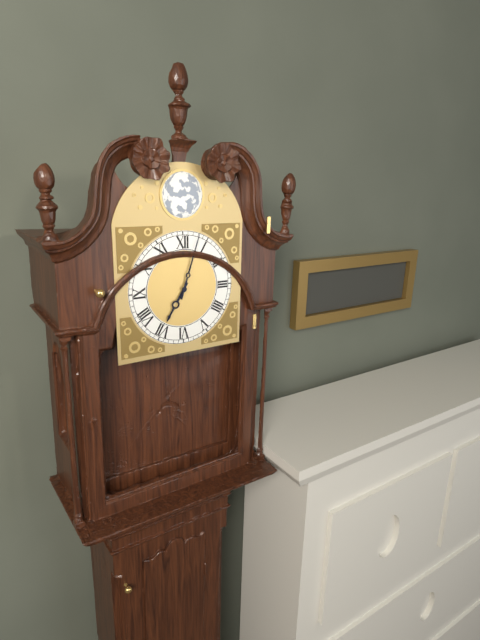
7:03
